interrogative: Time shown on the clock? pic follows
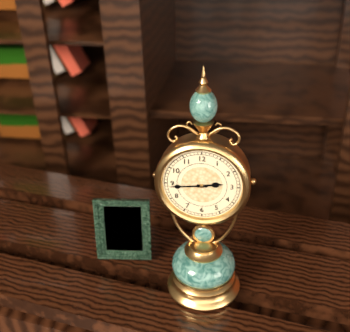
2:44
